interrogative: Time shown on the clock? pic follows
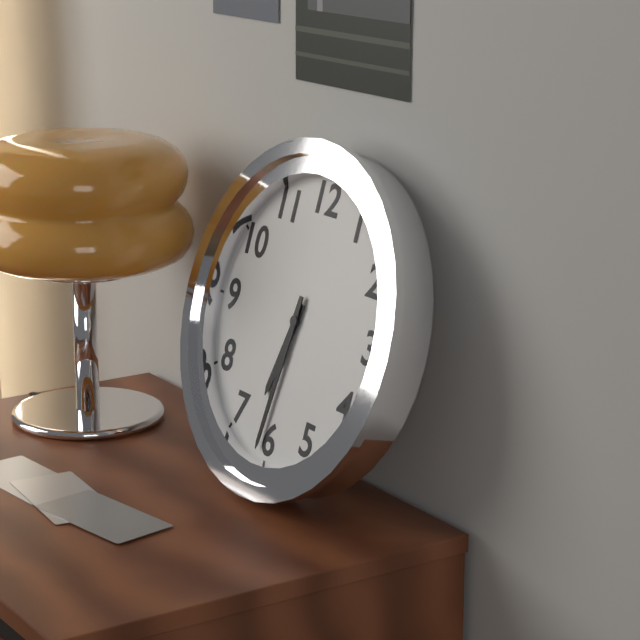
6:31
